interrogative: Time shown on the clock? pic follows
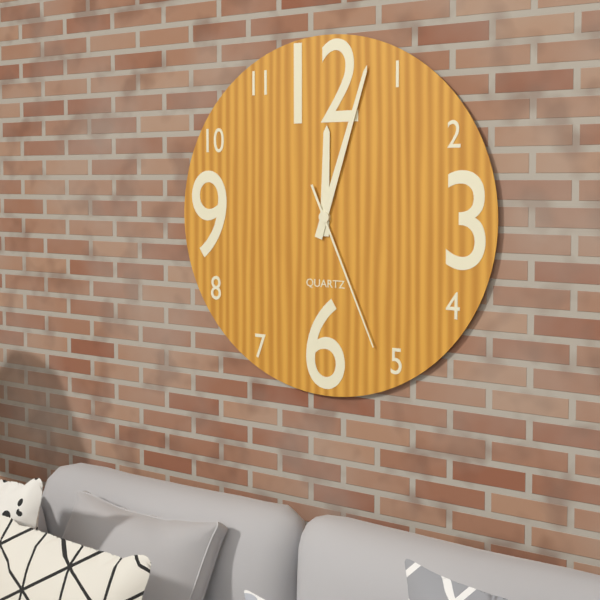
12:03:26
